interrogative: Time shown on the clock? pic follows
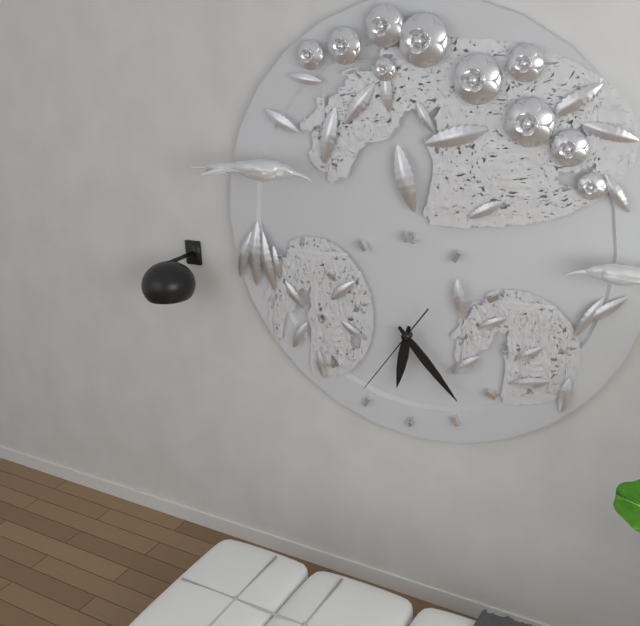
6:23:36
